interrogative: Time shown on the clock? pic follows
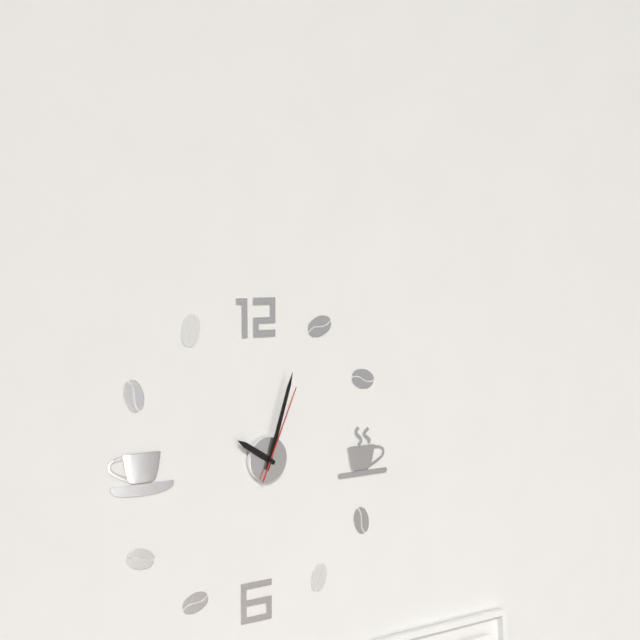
10:03:04
